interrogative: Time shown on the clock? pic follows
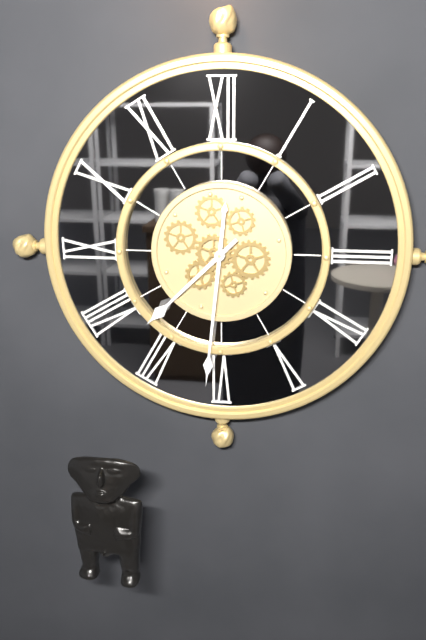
7:31
